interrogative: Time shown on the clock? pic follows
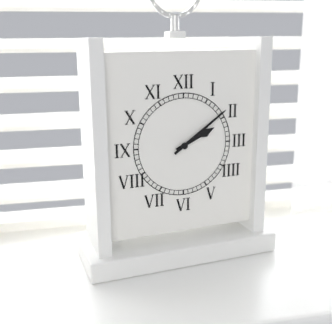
2:09
